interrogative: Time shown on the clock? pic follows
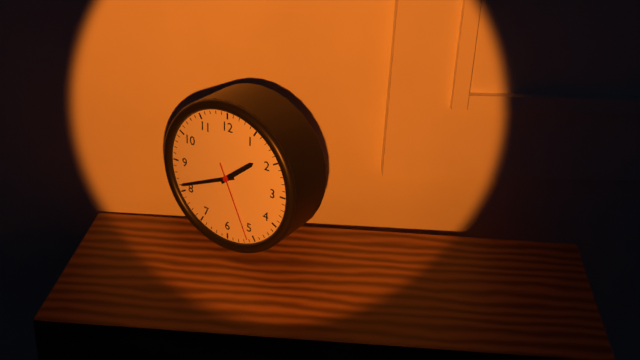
1:41:26
